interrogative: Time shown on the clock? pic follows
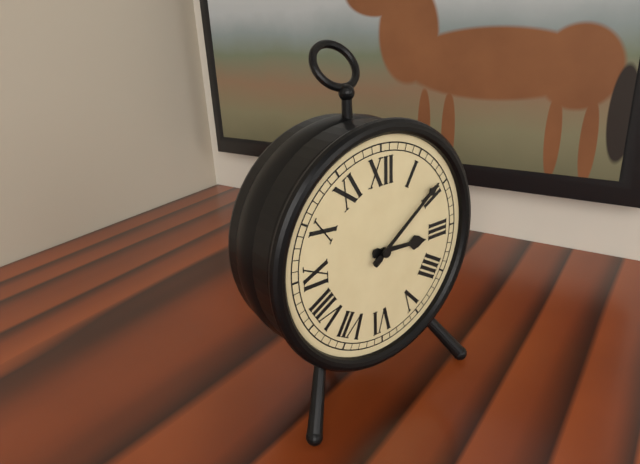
3:09
